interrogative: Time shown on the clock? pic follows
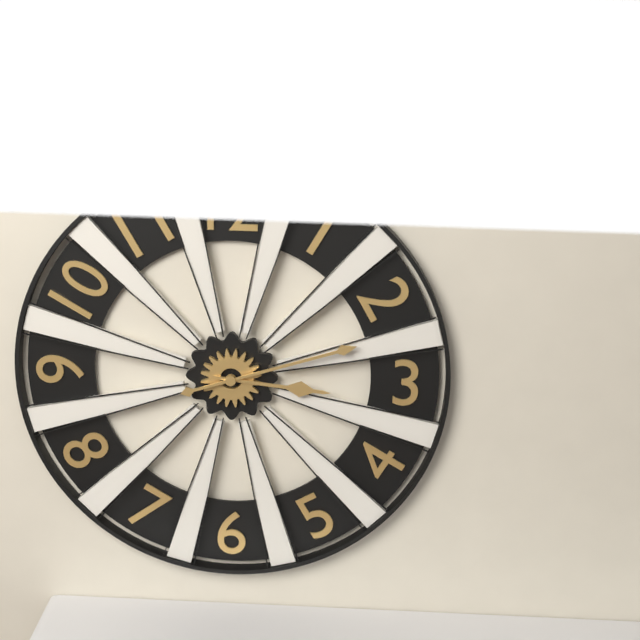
3:12
